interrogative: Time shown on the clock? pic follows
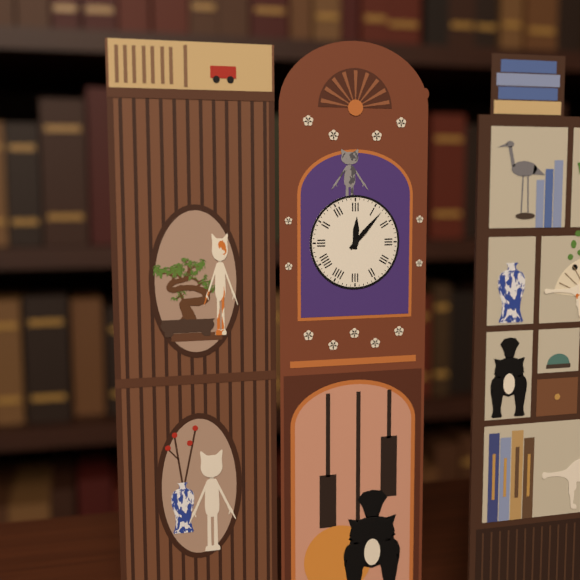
12:07
